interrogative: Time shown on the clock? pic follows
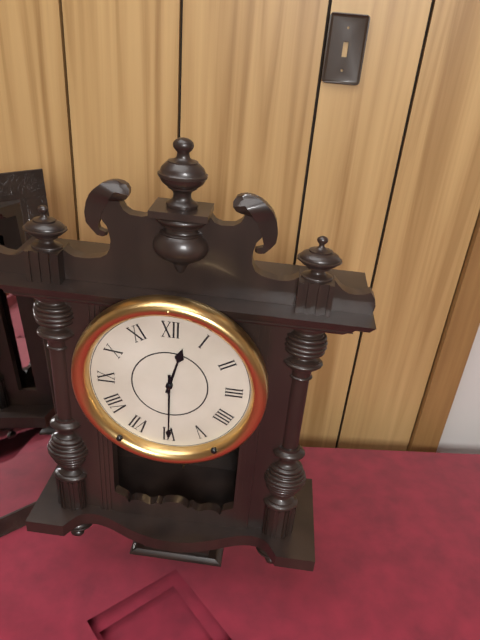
12:30
